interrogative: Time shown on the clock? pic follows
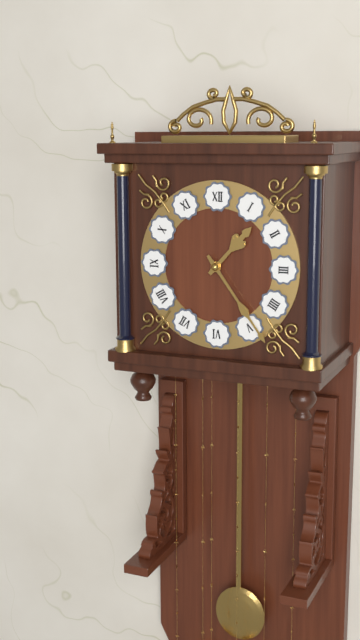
1:24
